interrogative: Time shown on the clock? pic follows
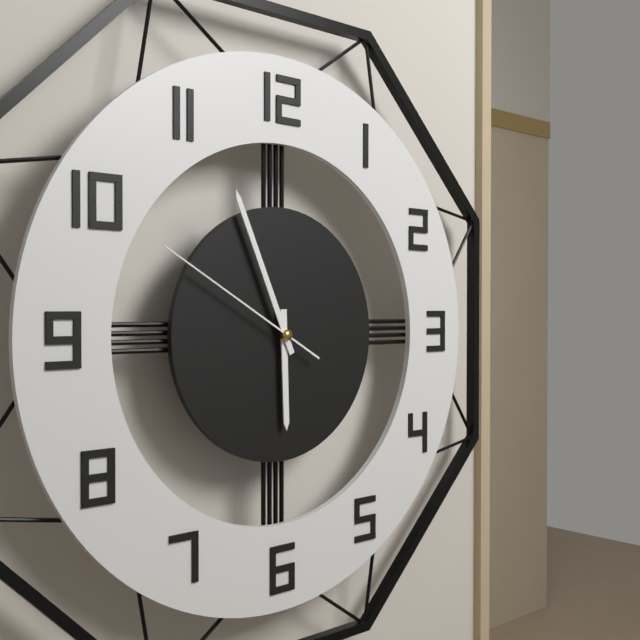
5:56:50
